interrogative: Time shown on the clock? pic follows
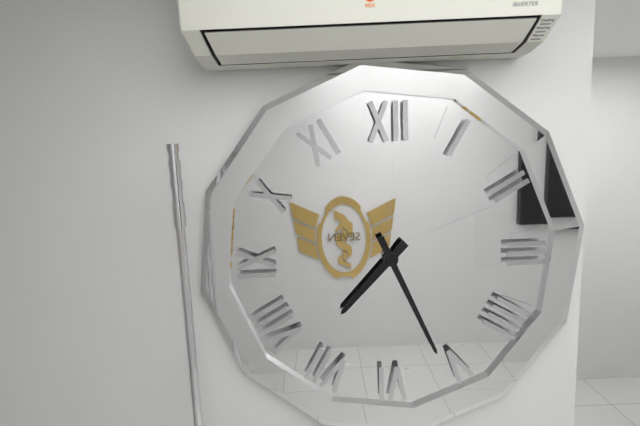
7:26
